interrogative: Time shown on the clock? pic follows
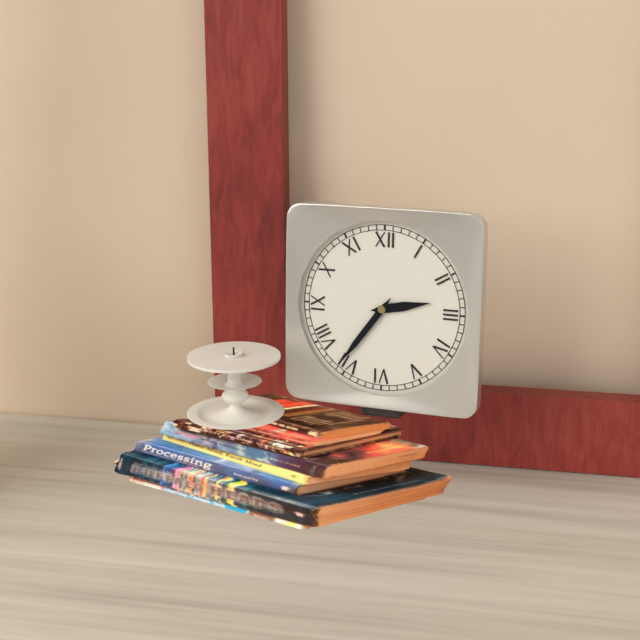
2:36
